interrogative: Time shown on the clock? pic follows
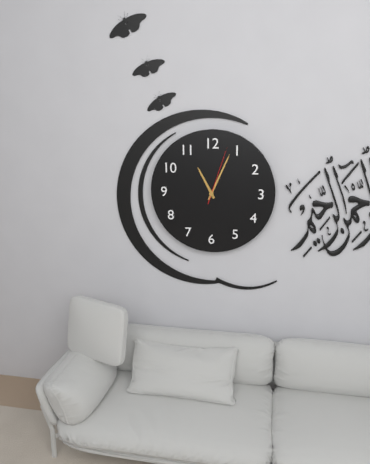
11:04:03
